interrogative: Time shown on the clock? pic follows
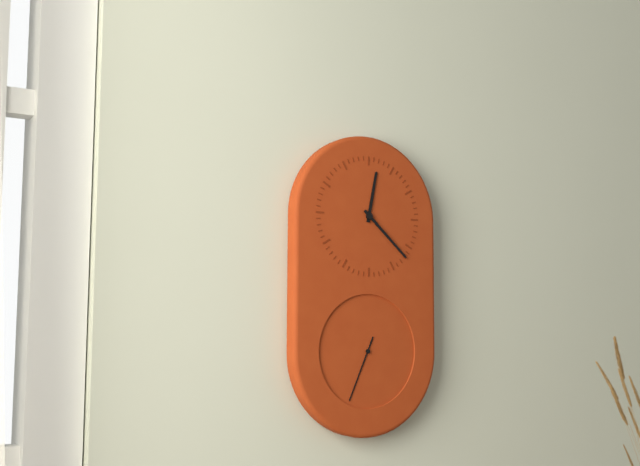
12:22:34
